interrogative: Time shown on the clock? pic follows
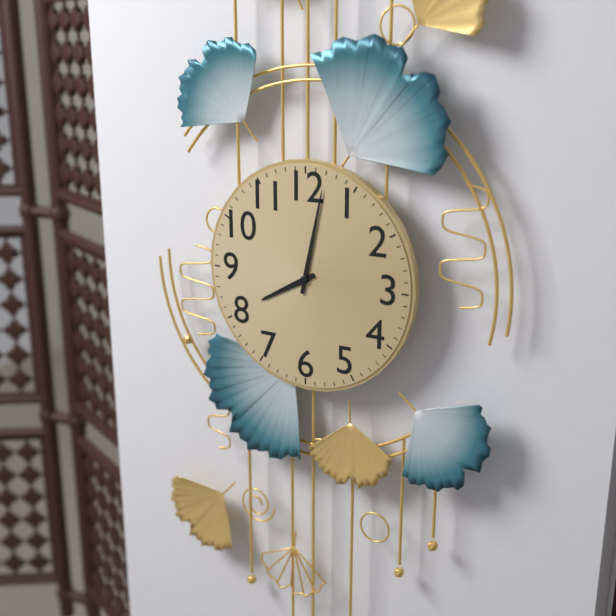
8:02
